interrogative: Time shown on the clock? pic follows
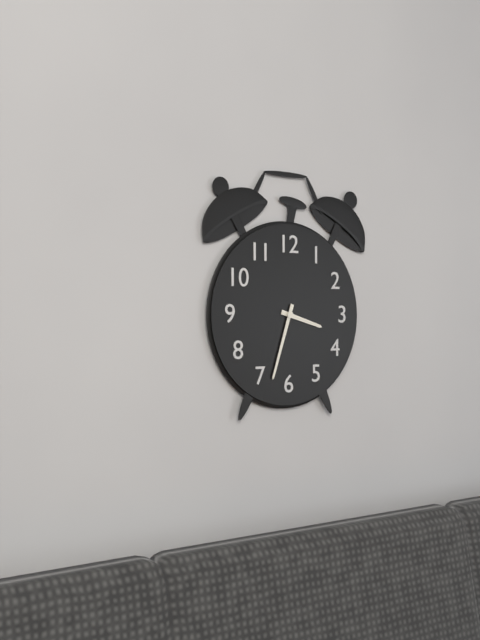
3:33
